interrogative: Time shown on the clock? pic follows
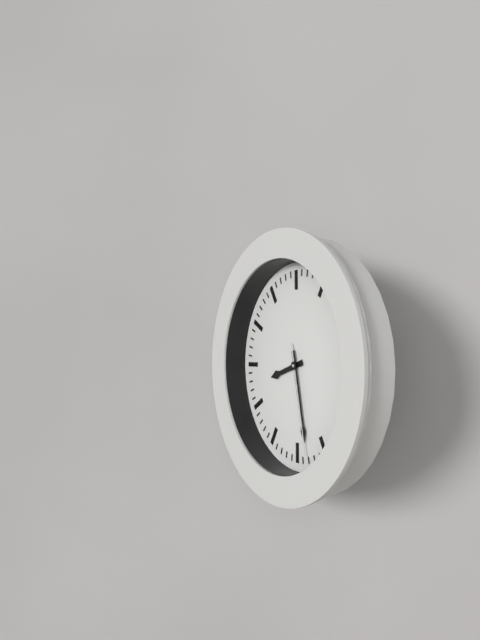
8:28:28
